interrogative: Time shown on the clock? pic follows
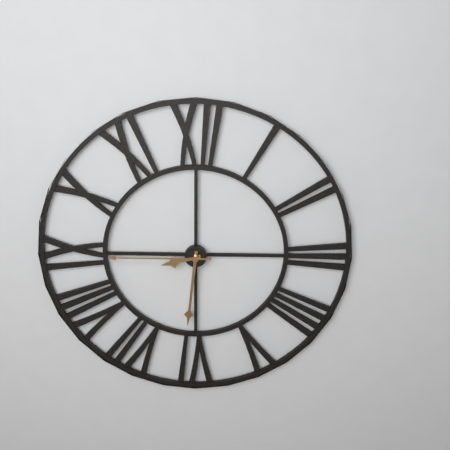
8:31:45
